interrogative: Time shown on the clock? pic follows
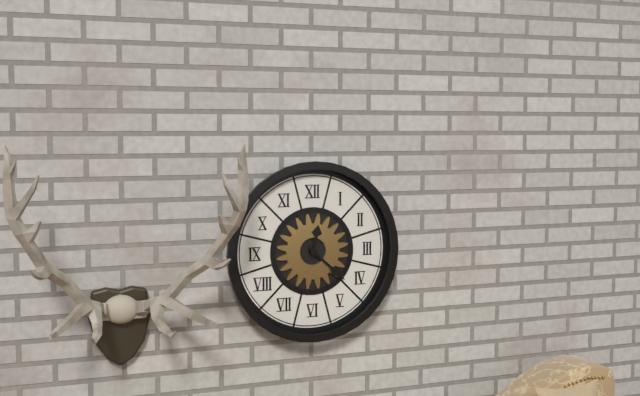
12:22
